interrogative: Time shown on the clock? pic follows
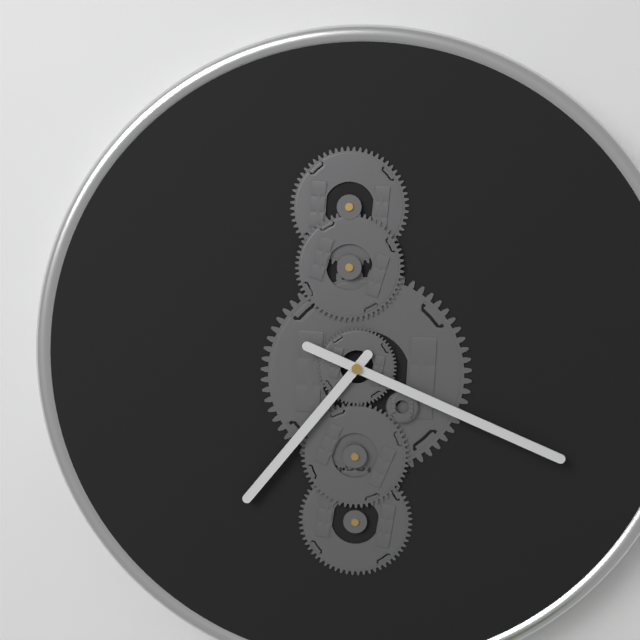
7:19
